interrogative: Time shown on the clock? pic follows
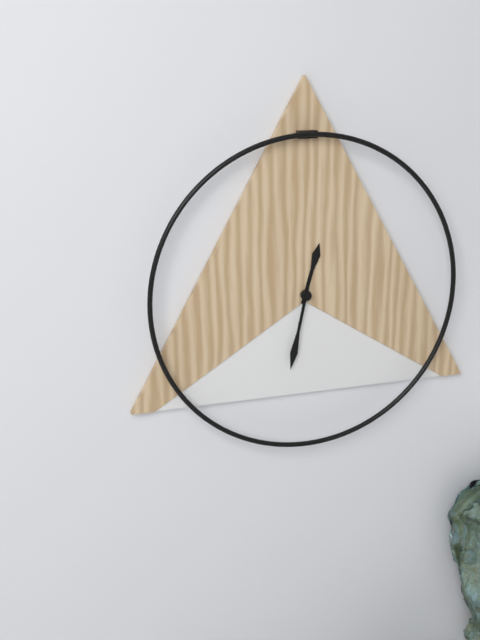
12:32
